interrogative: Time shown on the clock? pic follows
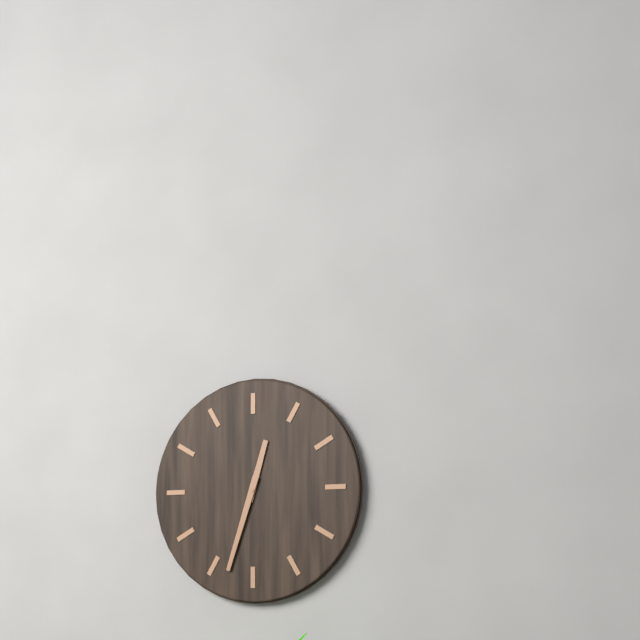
12:33
